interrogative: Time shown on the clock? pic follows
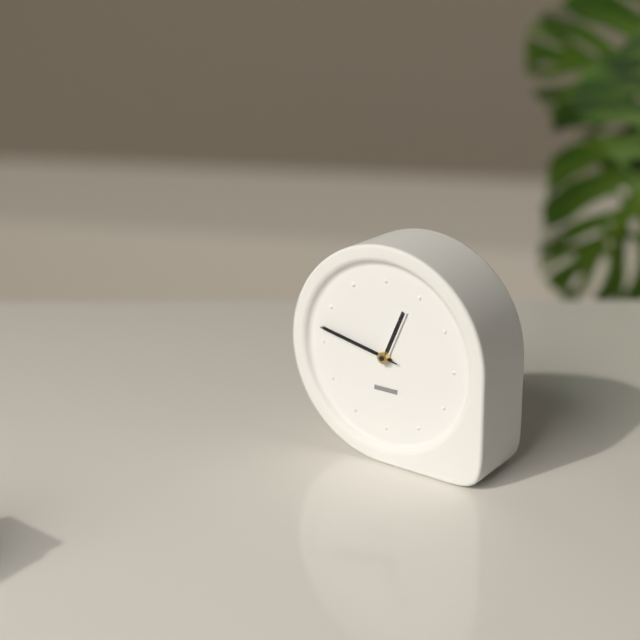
12:47:47
